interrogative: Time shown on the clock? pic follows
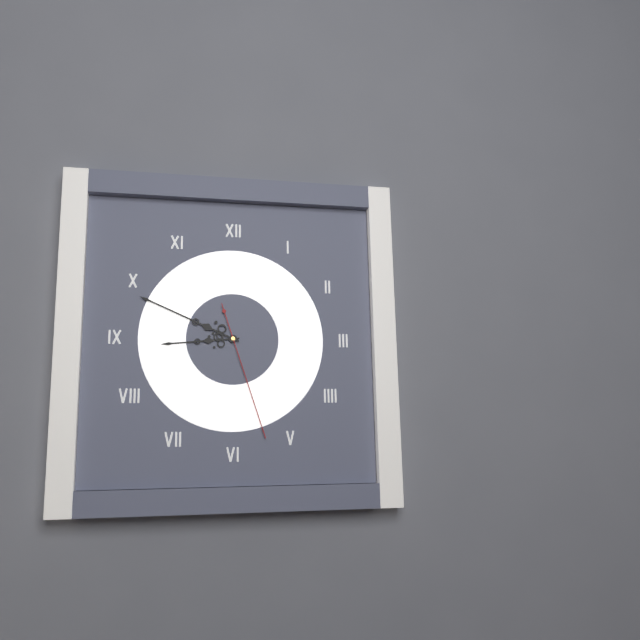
8:49:27
